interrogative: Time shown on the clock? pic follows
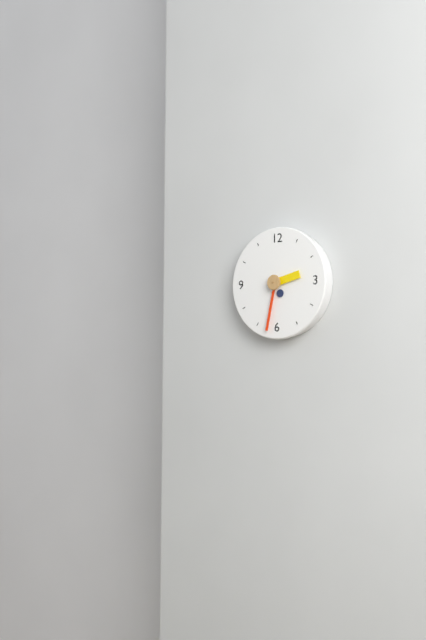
2:32
